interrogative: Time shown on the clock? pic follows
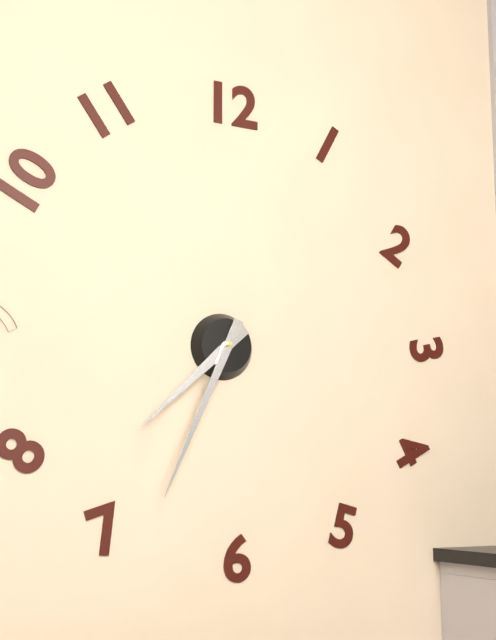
7:34
